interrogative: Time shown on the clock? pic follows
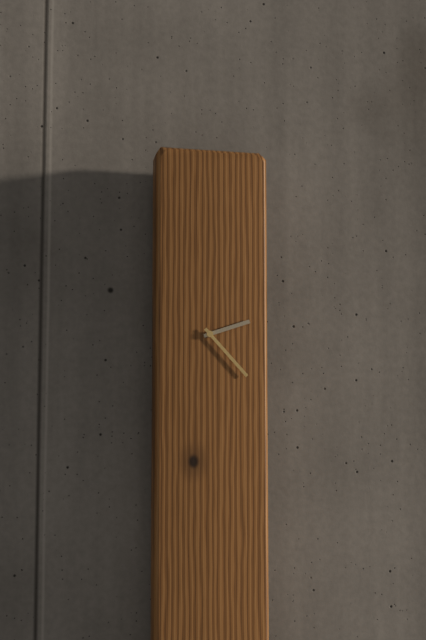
2:23
